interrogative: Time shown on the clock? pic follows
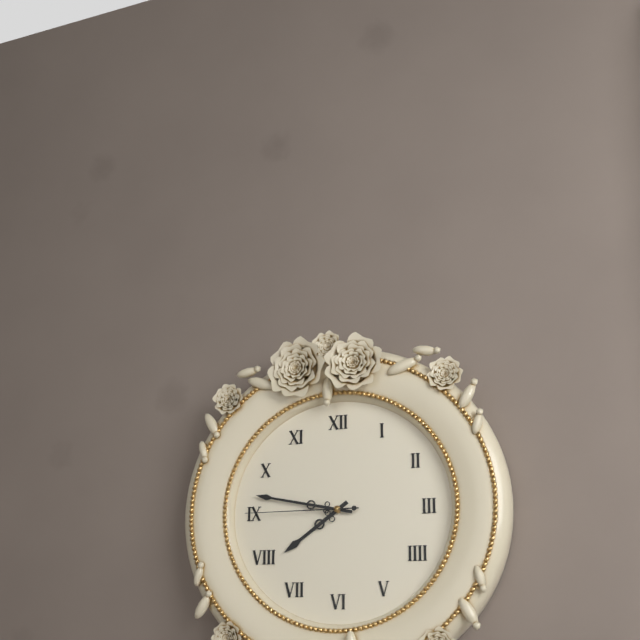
7:47:45
